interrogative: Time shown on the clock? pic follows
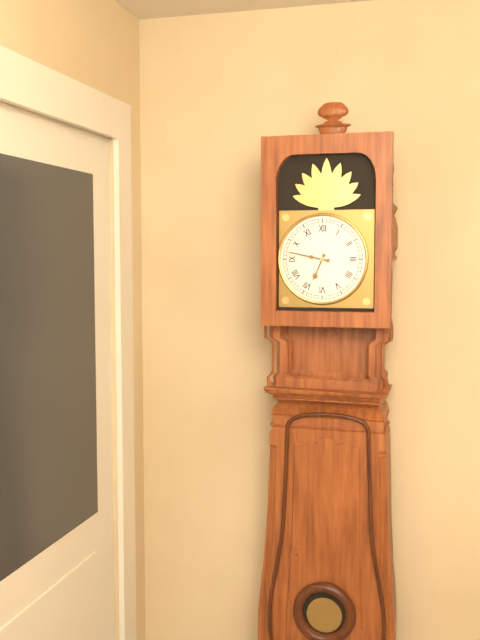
6:47
